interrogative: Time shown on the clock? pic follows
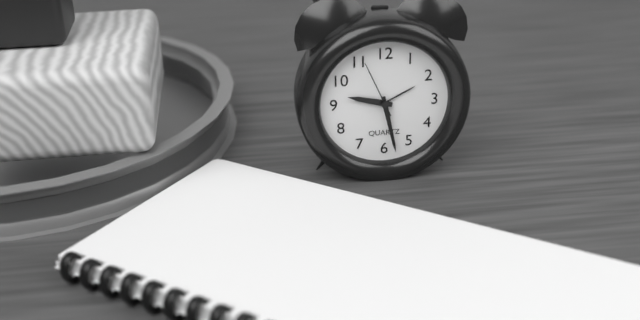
9:28:56
